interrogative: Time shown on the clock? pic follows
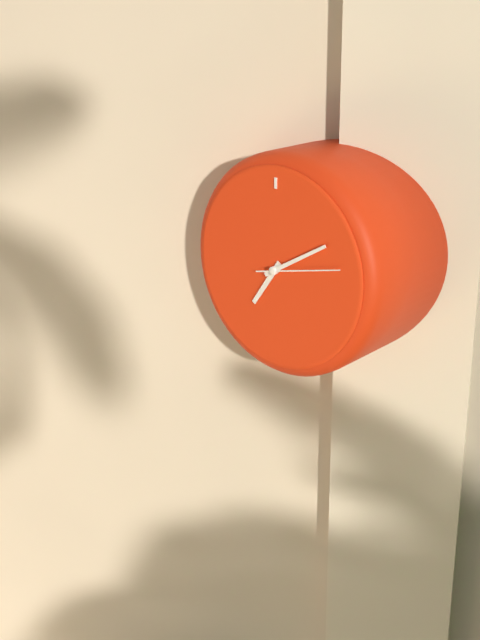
7:10:13
